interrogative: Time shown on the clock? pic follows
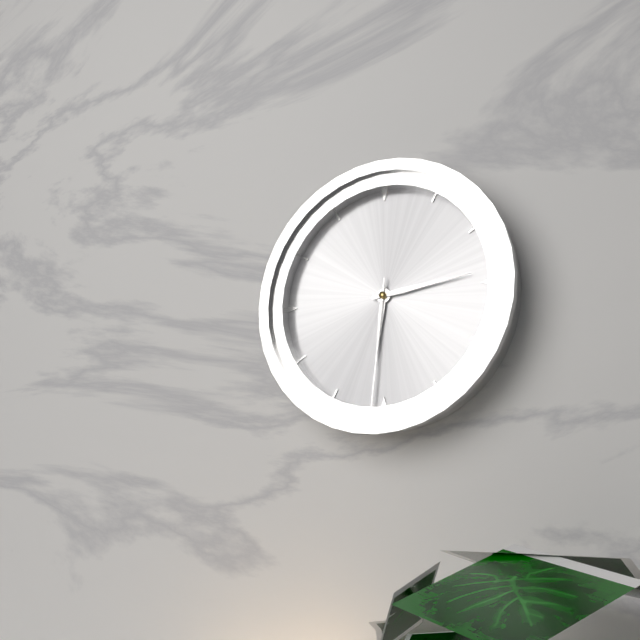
6:14:31
